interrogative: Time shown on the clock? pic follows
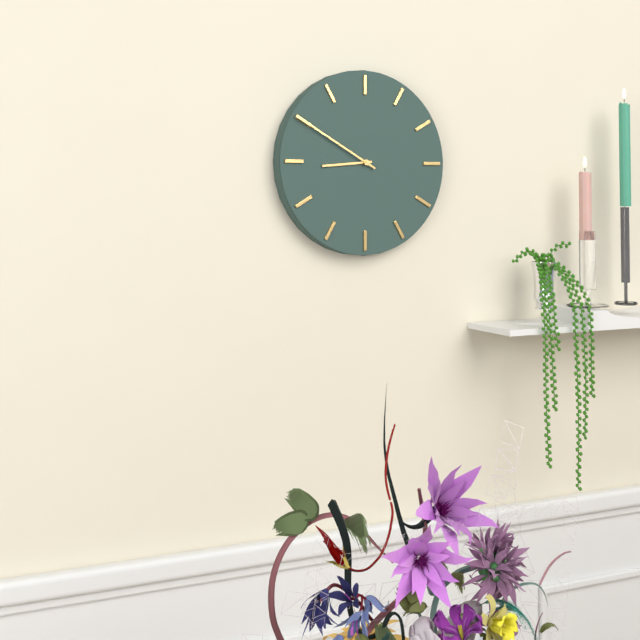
8:50
